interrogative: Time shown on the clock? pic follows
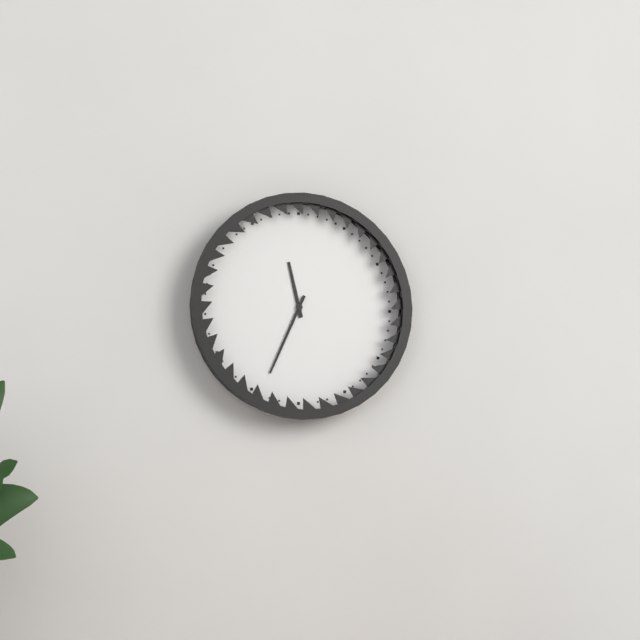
11:34
